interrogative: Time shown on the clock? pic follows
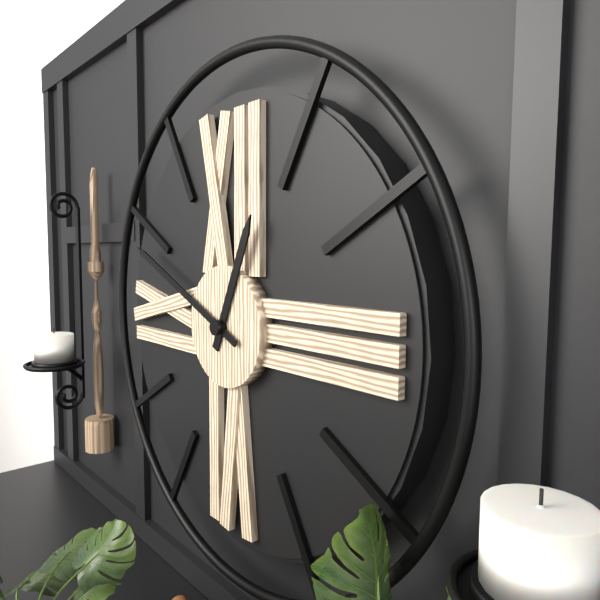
12:49
